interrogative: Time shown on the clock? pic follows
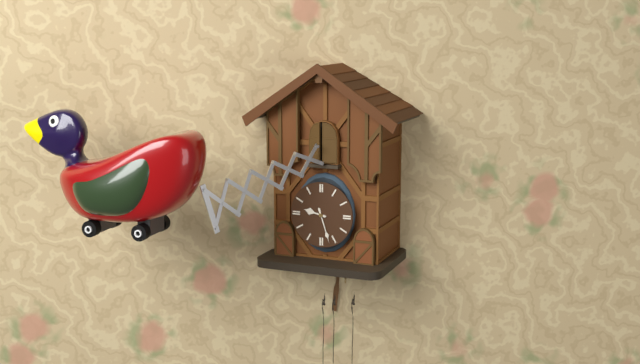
9:27
